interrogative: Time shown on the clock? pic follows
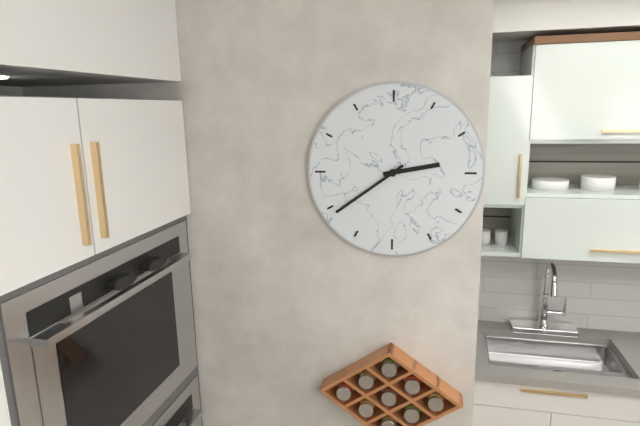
2:39
